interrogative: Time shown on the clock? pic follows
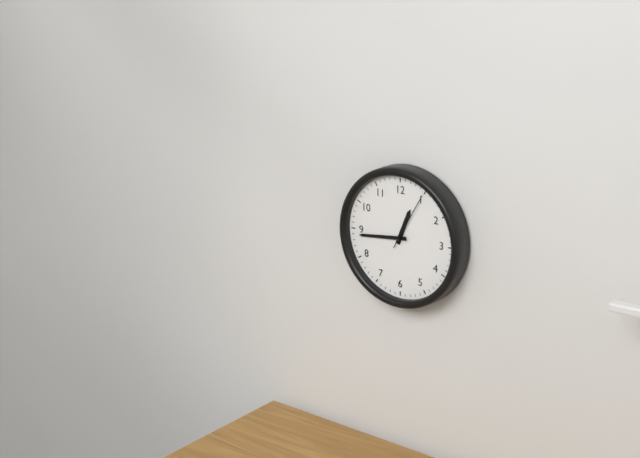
12:44:05
